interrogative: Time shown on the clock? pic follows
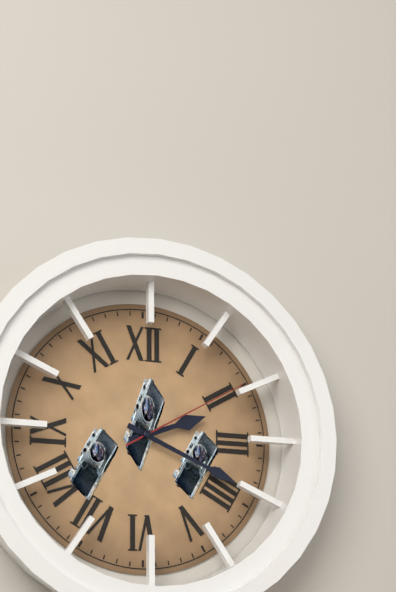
2:19:10
